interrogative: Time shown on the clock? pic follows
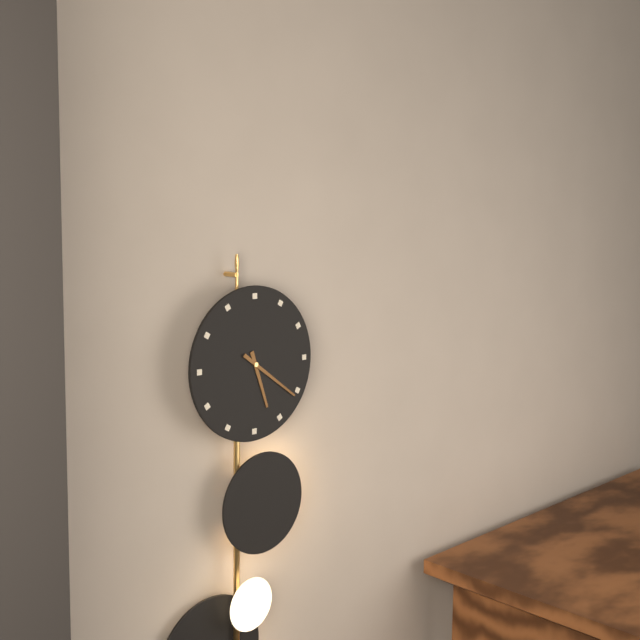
5:21
